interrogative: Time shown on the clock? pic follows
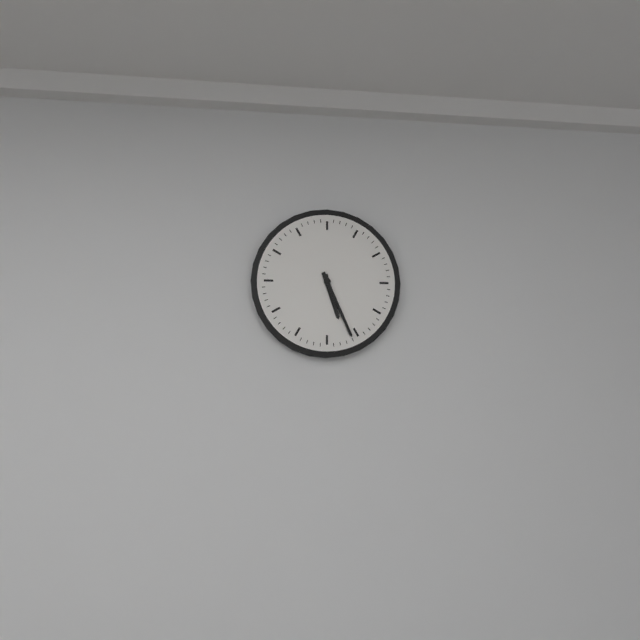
5:26
